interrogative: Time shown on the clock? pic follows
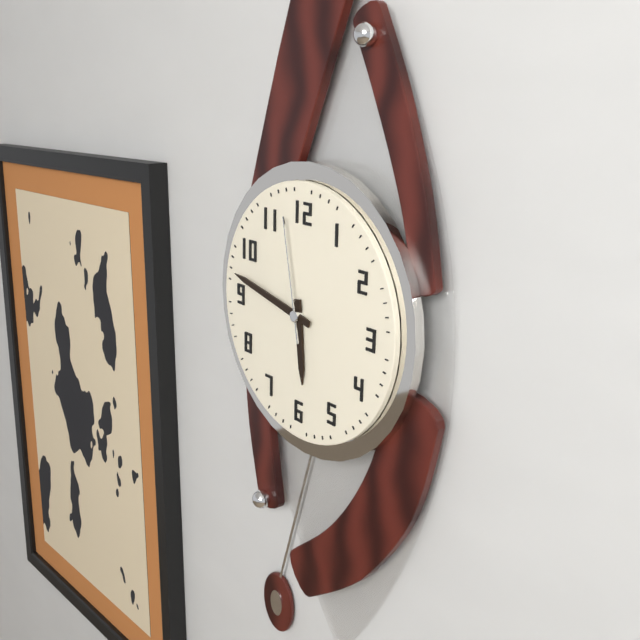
5:47:58
